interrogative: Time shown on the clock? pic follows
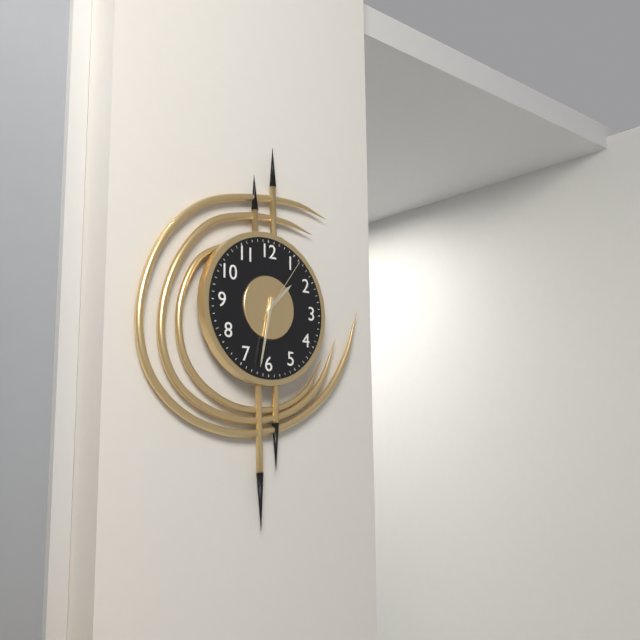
1:32:06
